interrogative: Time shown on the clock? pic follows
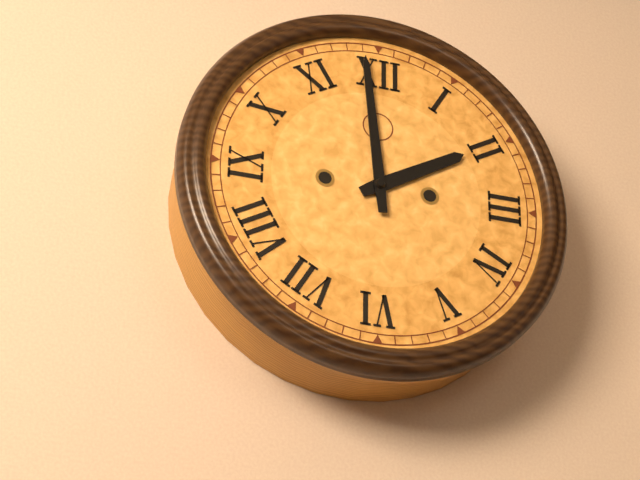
1:59
